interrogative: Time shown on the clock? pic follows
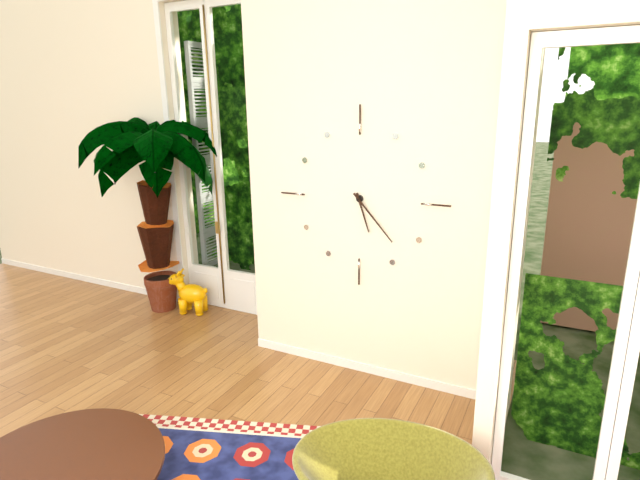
5:23
